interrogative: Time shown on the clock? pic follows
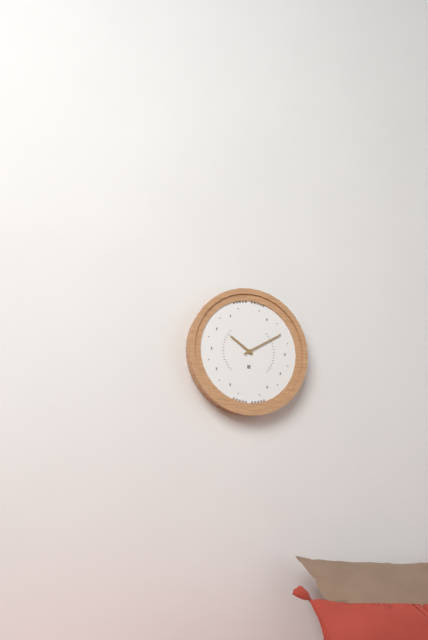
10:10
